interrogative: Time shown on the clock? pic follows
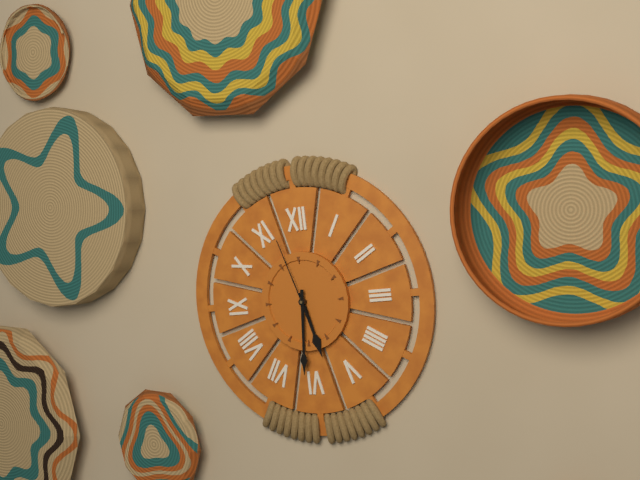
5:31:57
